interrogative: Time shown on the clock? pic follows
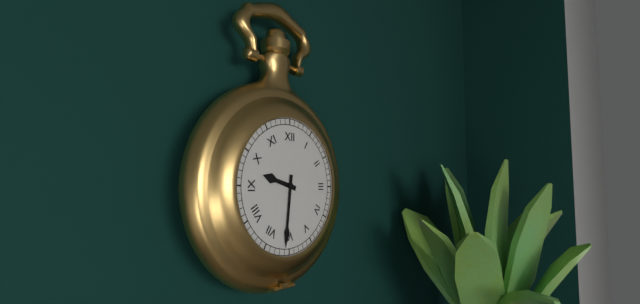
9:31
